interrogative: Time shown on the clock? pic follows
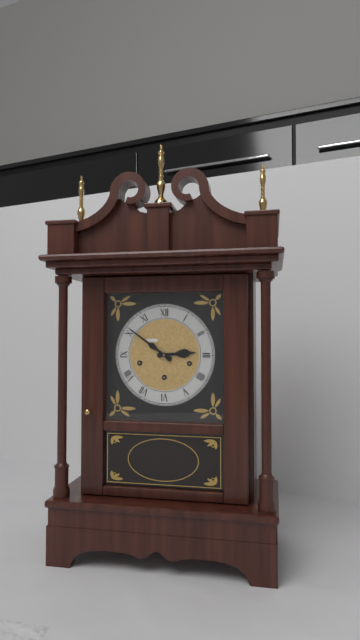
2:51
